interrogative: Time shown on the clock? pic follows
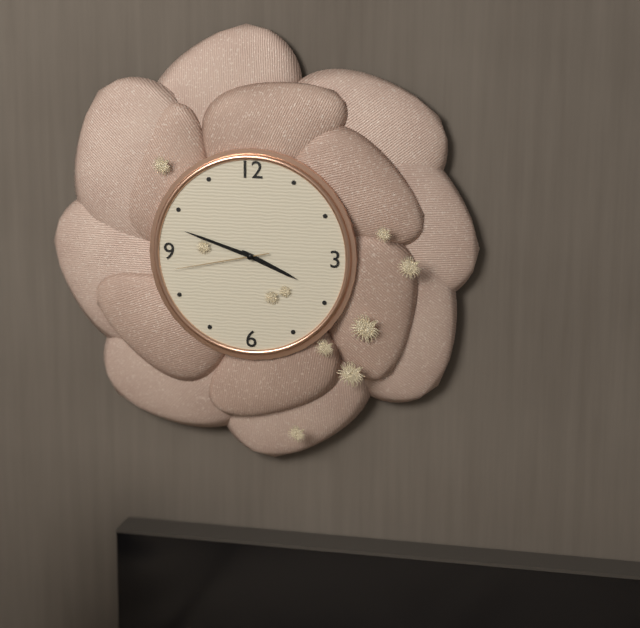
3:48:43
